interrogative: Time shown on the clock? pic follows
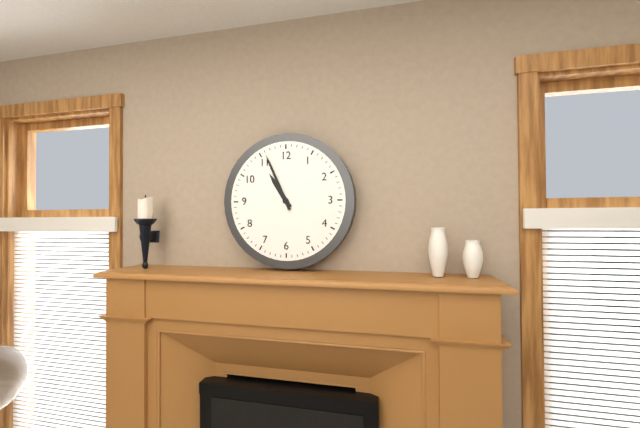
10:56
